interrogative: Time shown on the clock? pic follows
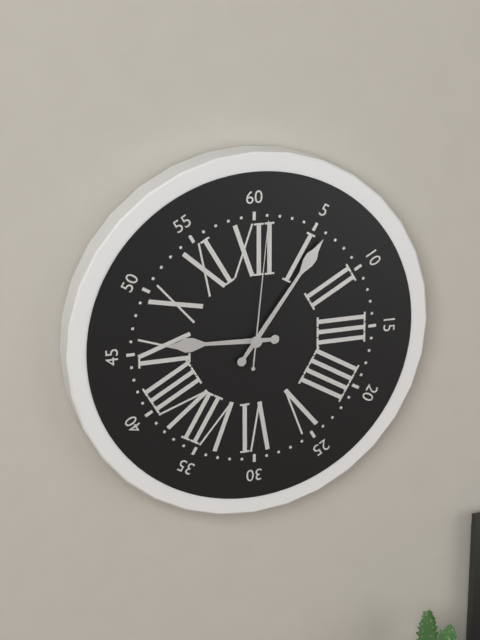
9:06:01
